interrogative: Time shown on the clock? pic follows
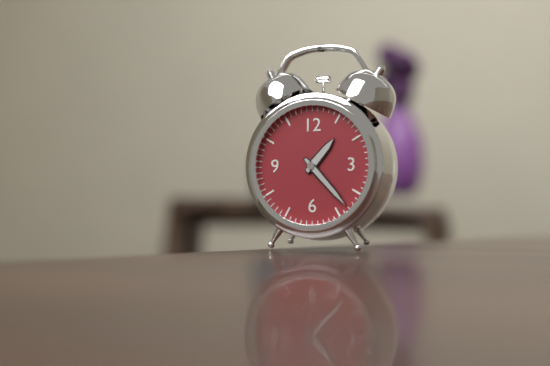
1:23
